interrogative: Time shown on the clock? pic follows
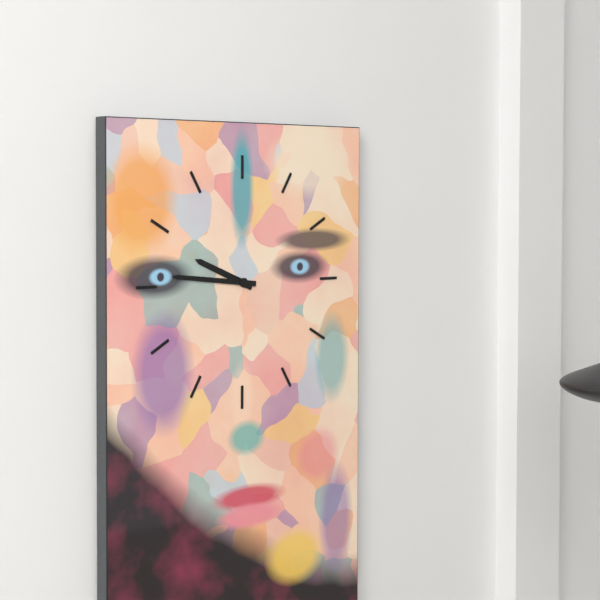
9:46
